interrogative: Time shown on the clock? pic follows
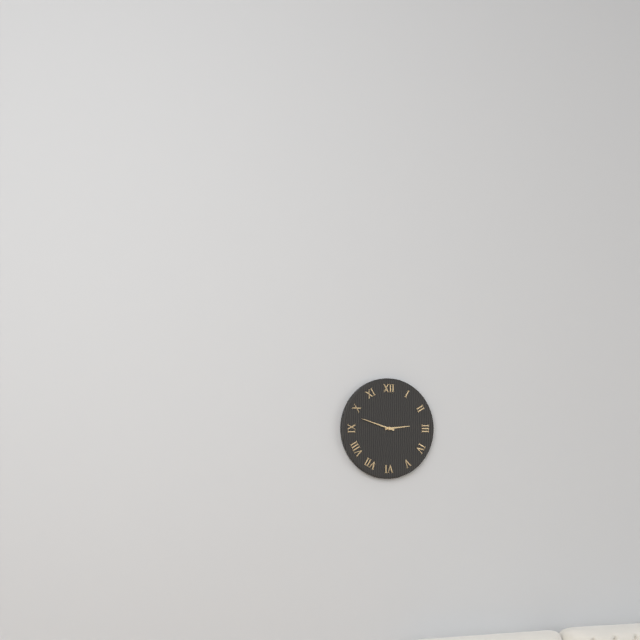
2:48
